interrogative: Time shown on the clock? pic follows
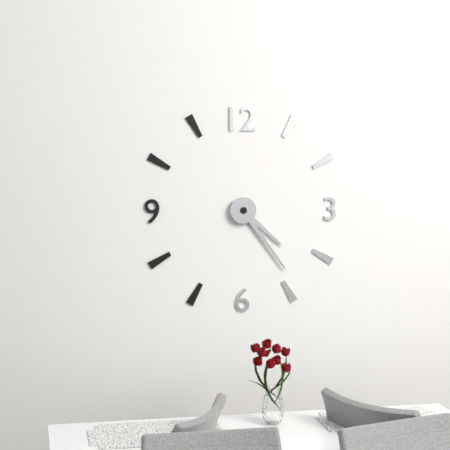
4:24
